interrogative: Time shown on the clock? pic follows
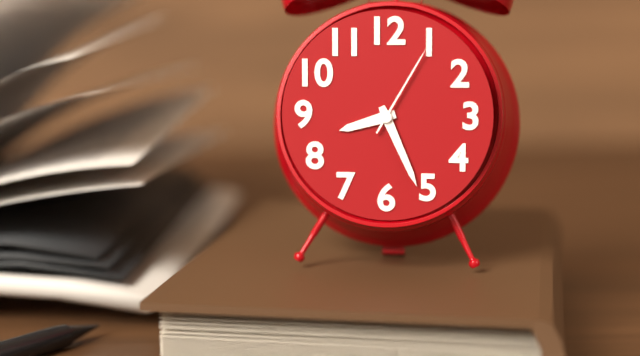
8:26:05
